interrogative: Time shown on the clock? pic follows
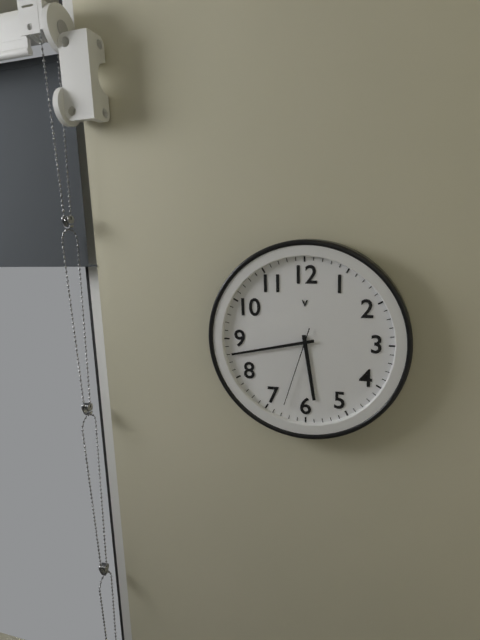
5:43:33
